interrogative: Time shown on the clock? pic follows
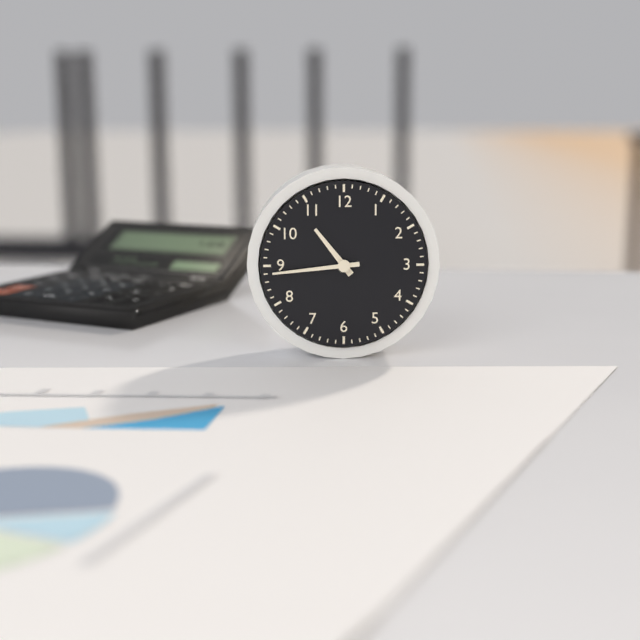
10:44
